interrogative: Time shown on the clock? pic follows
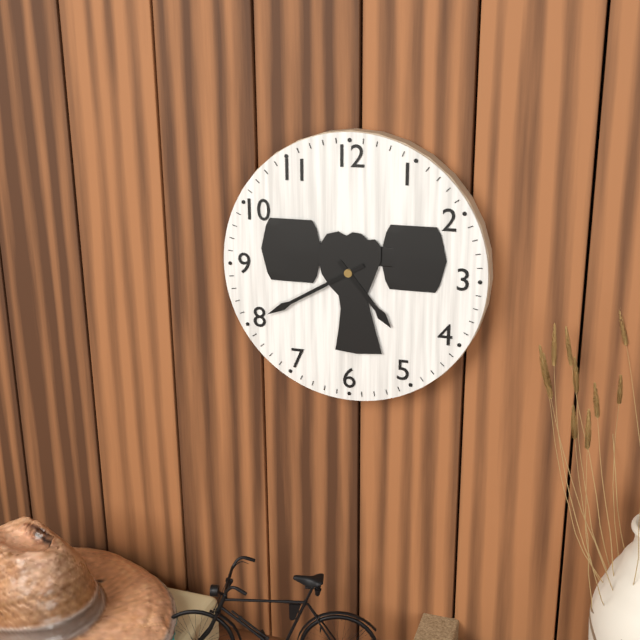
4:40
